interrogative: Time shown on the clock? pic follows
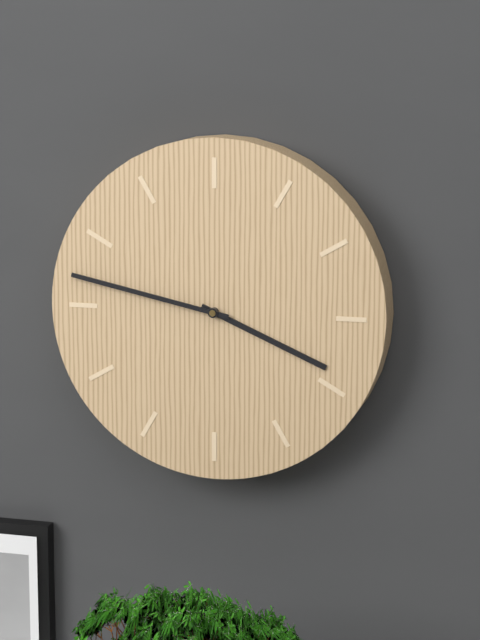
3:47
